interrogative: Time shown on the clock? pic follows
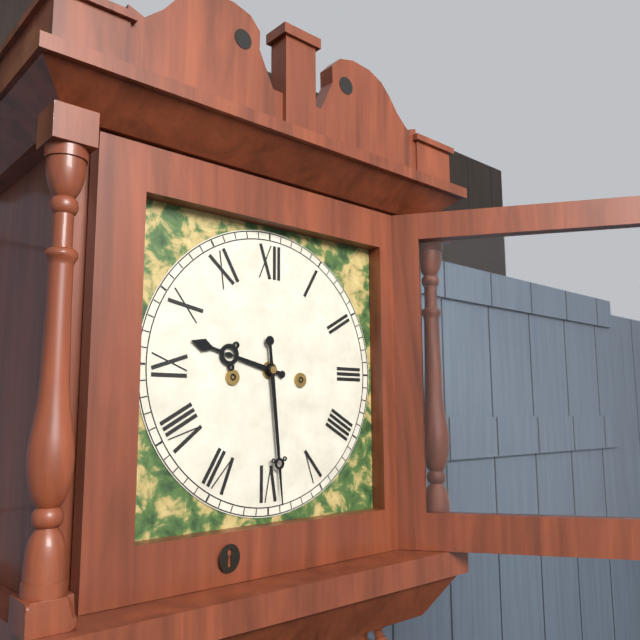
9:29
